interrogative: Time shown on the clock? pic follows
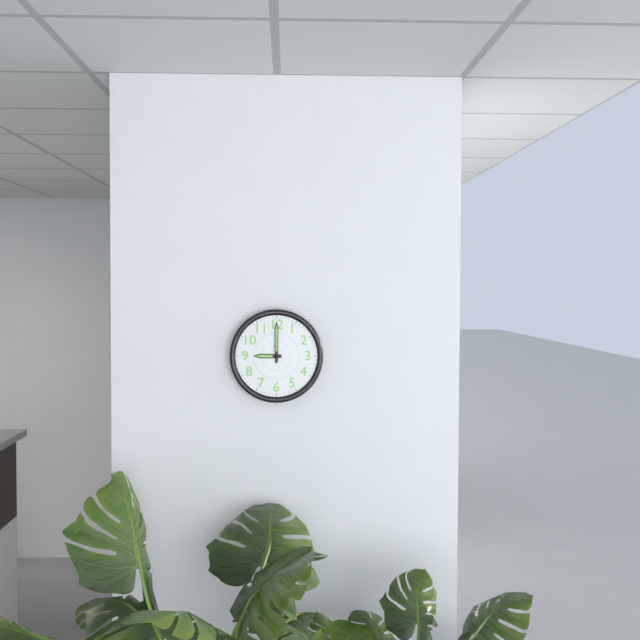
9:00
